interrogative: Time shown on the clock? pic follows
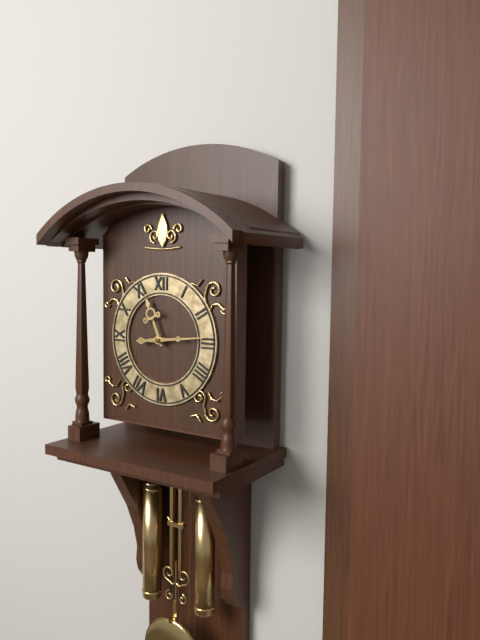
11:14
